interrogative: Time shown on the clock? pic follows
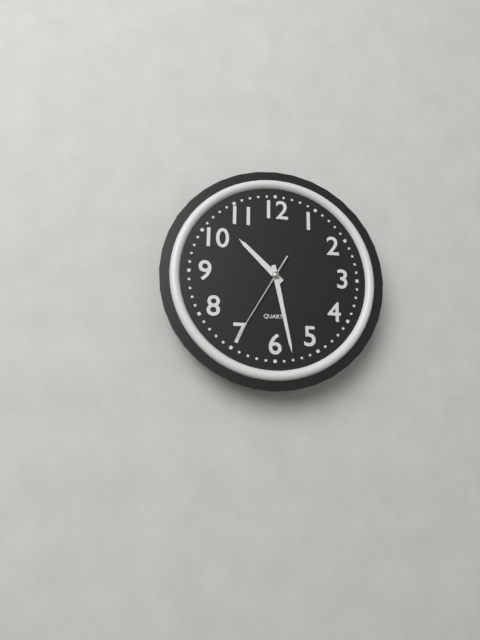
10:28:35
